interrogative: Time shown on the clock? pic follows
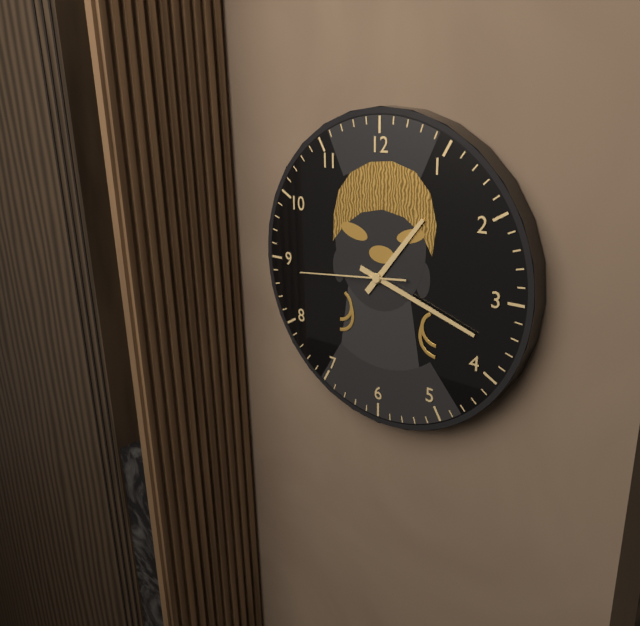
1:18:44
